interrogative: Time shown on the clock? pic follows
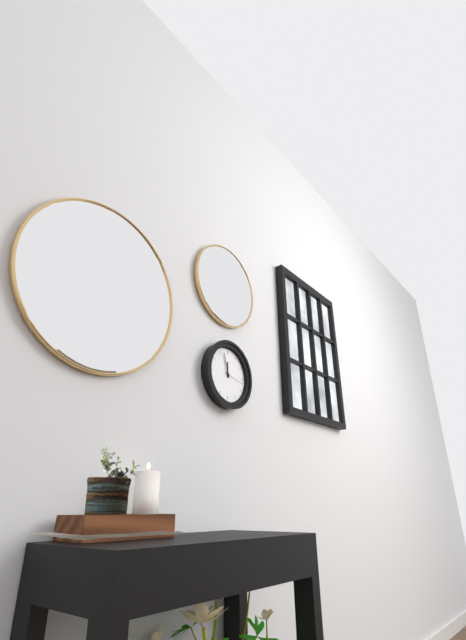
11:57
